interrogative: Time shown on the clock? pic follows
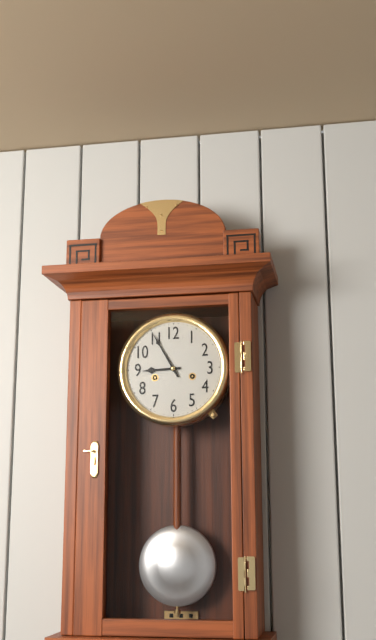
8:55
